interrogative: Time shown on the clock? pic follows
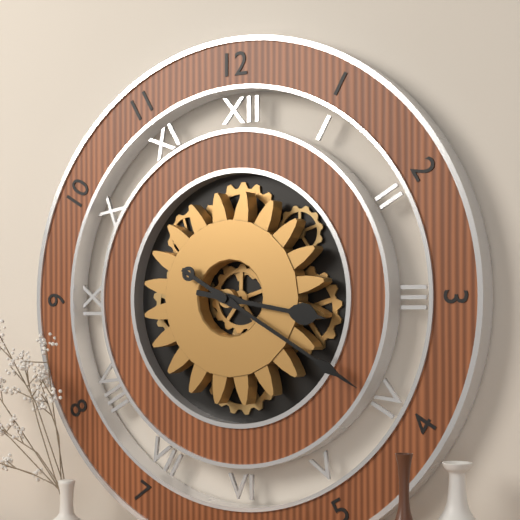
3:20
